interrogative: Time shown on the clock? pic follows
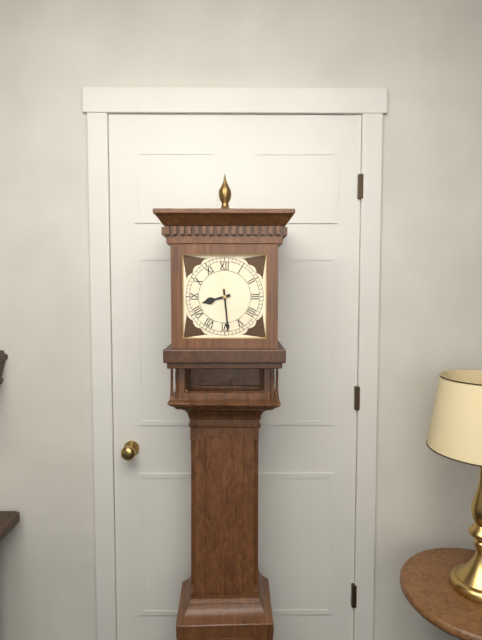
8:29
